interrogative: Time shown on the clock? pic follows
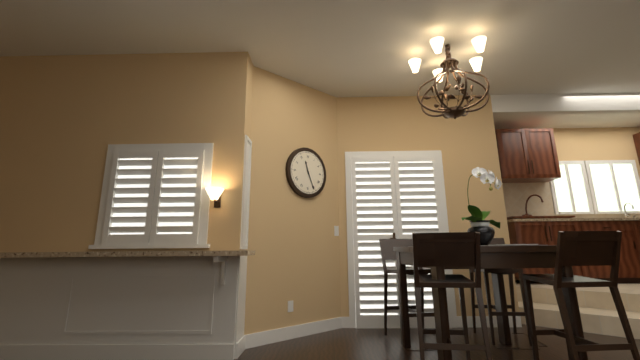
11:26
